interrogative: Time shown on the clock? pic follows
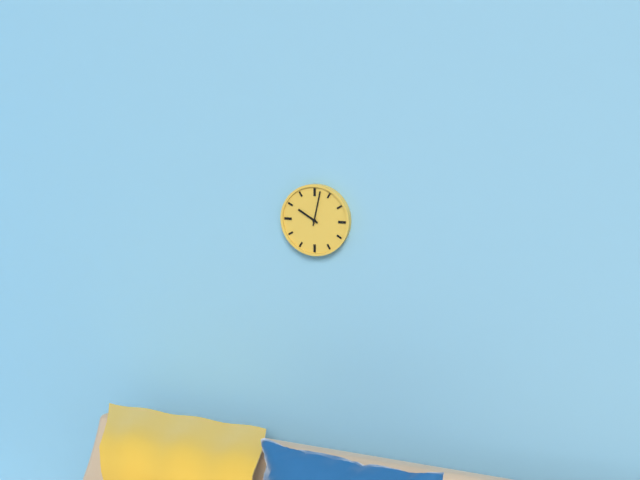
10:02
